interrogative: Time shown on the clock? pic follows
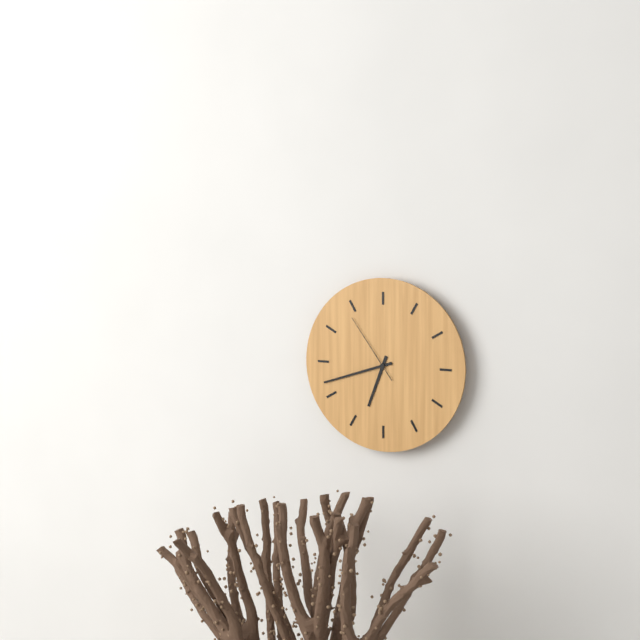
6:42:54
